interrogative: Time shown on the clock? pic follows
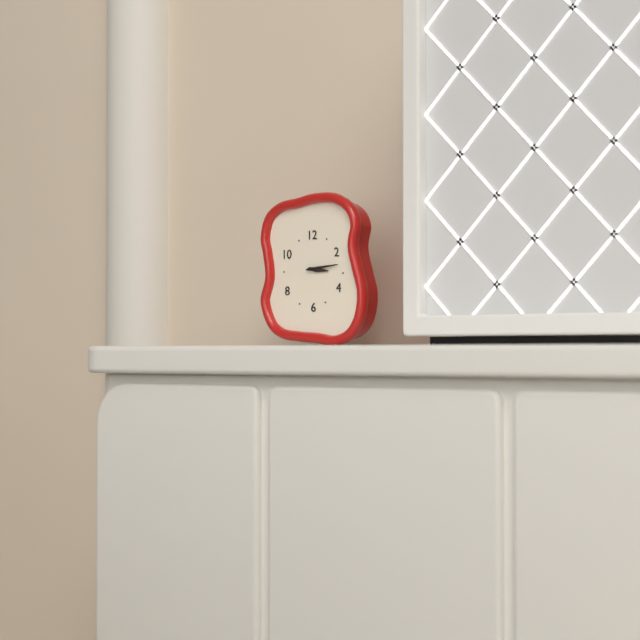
3:14
